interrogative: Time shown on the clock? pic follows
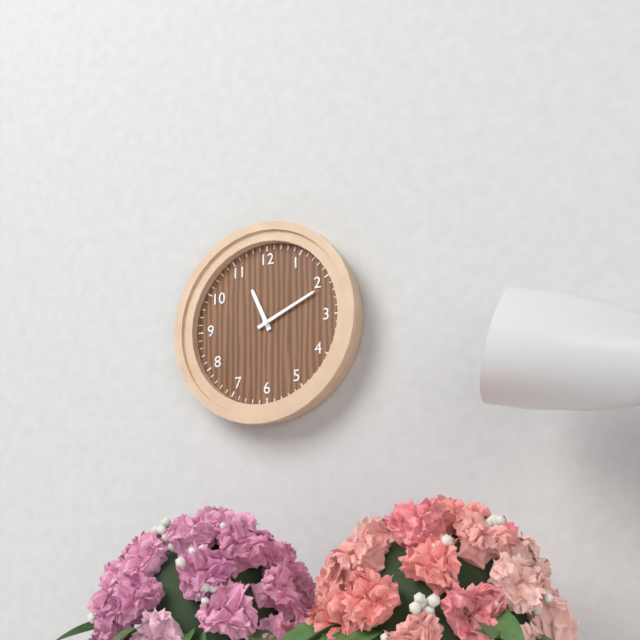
11:11
